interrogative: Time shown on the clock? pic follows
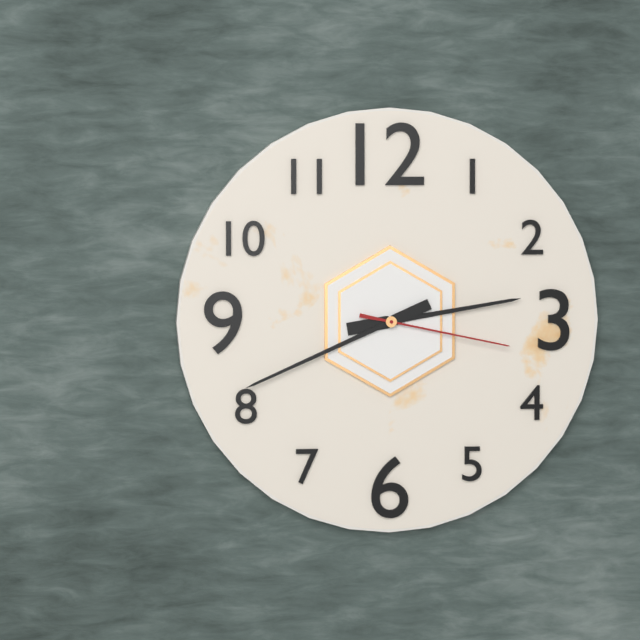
2:41:17
